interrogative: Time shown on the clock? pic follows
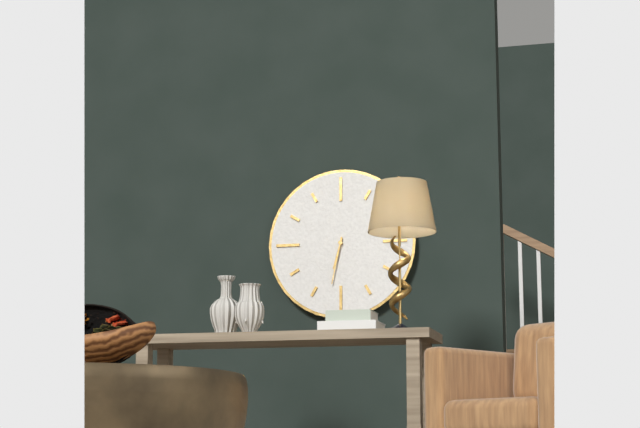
6:32
